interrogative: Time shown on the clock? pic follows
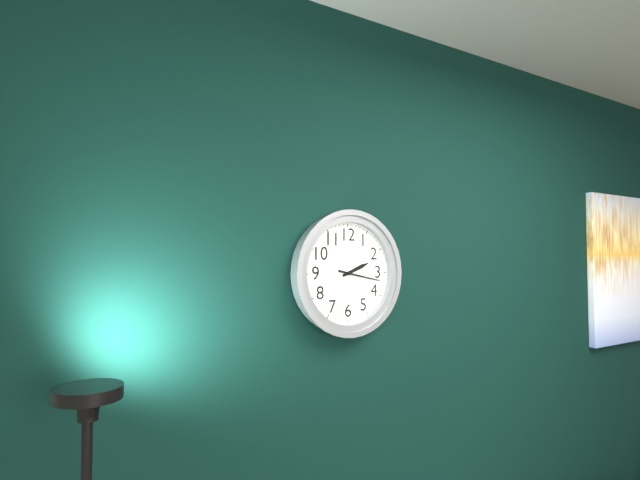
2:17
